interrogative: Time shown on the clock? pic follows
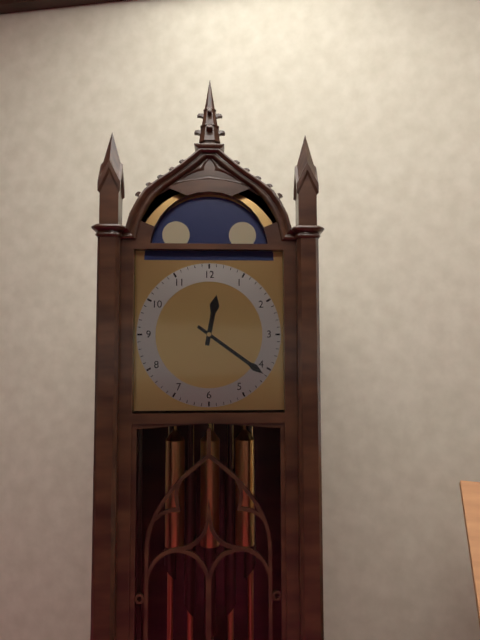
12:21
